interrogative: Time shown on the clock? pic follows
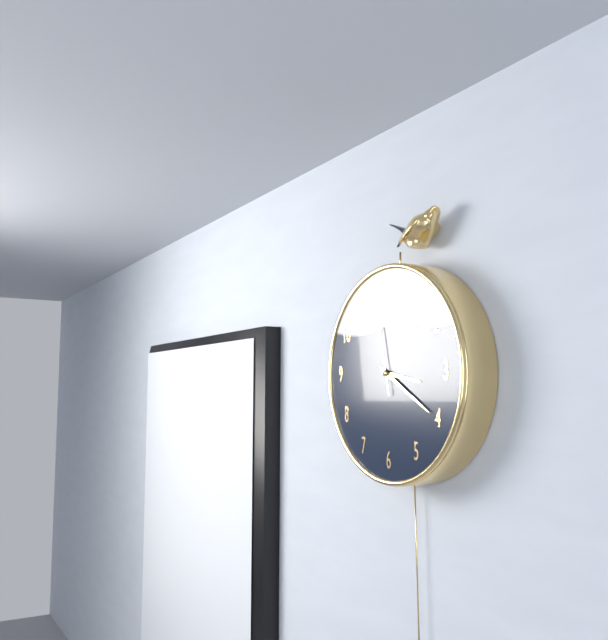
3:20:58
